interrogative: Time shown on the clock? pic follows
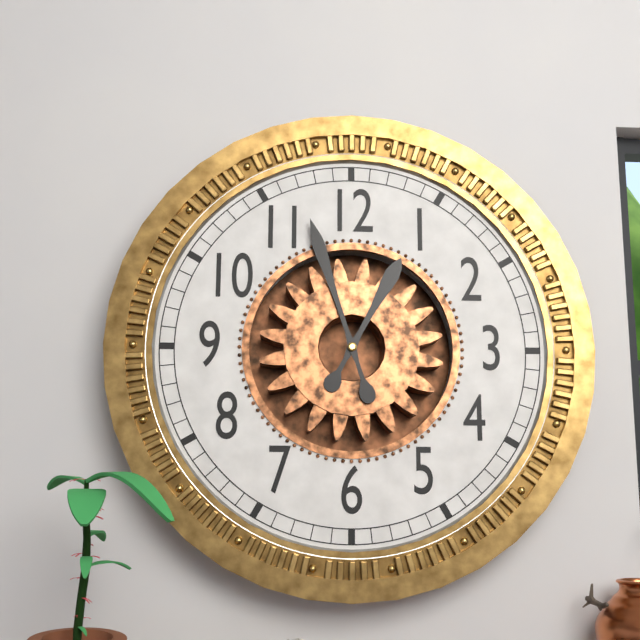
12:57
